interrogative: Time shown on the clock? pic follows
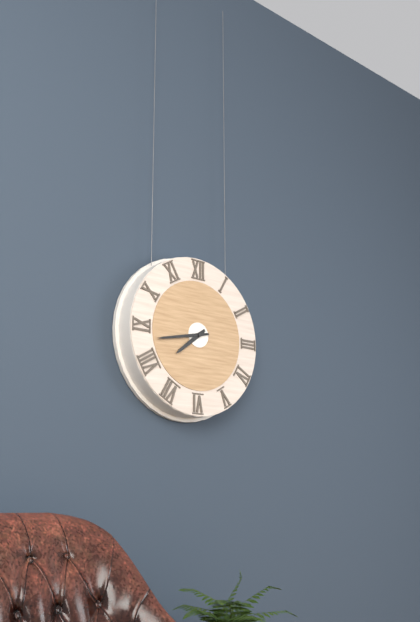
7:43
